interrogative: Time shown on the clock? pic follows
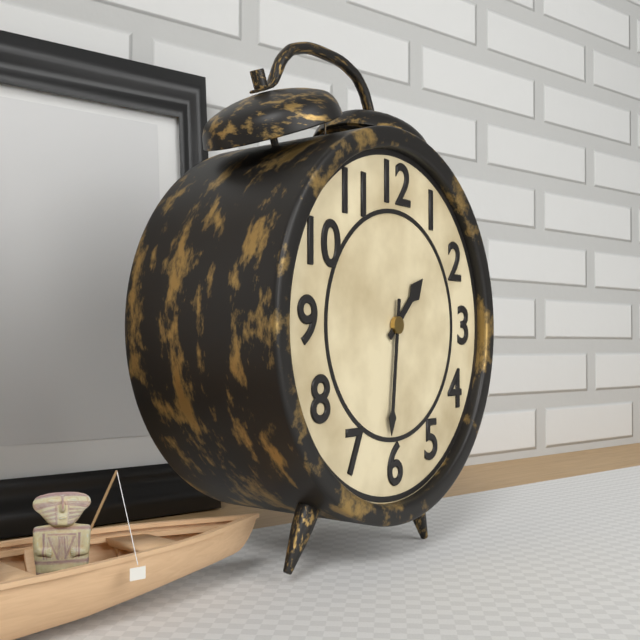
1:31
